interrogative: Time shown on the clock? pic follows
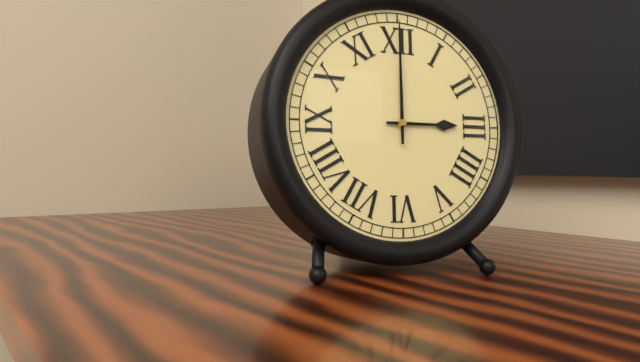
3:00
